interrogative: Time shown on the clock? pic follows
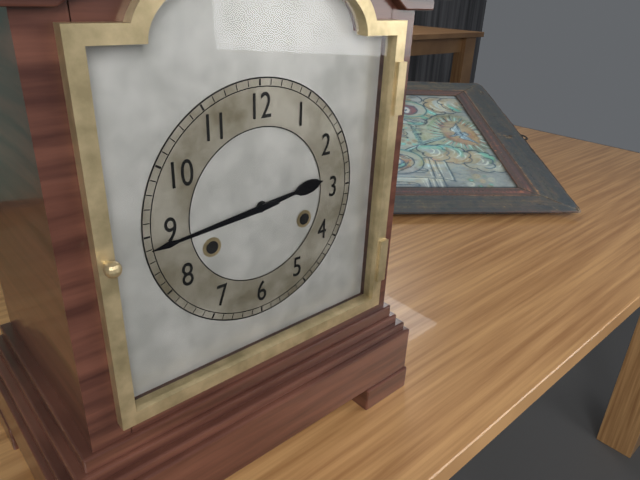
2:44
